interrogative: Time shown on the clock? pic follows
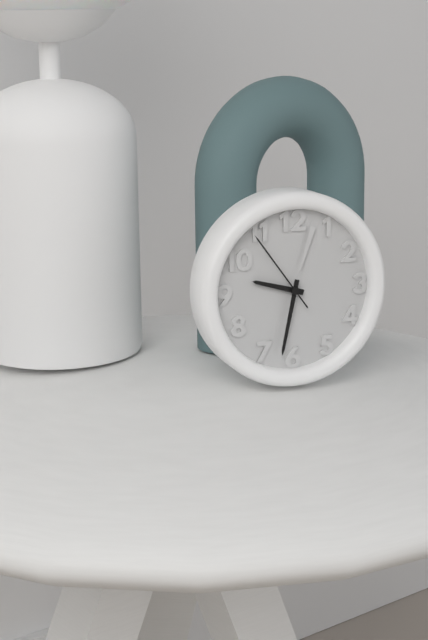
9:32:54
